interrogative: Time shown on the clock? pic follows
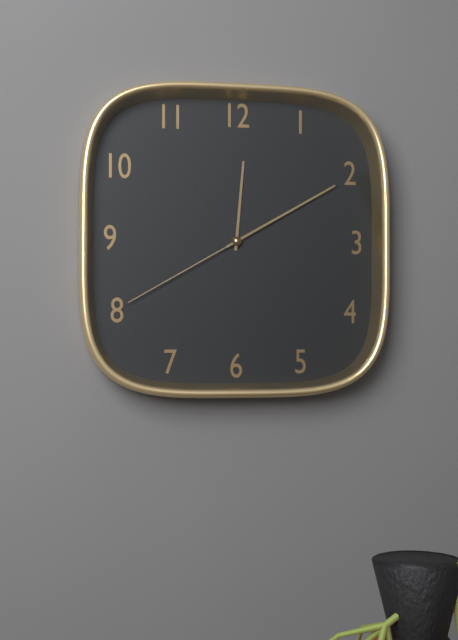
12:10:40
